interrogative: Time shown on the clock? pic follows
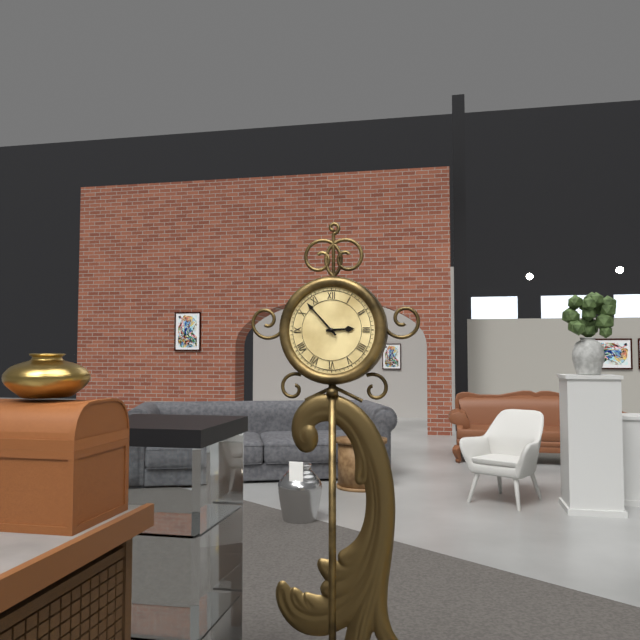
2:53
